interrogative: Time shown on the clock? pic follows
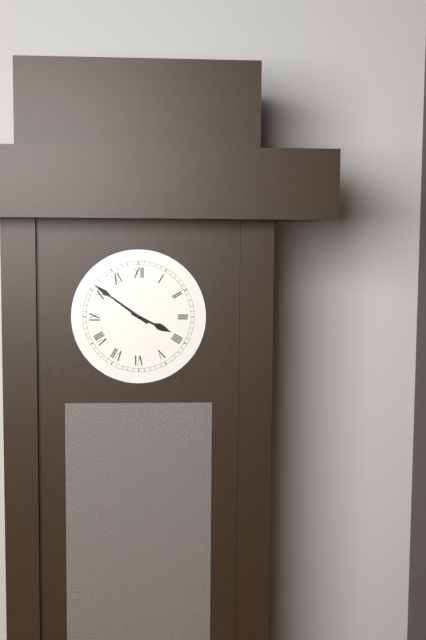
3:51
